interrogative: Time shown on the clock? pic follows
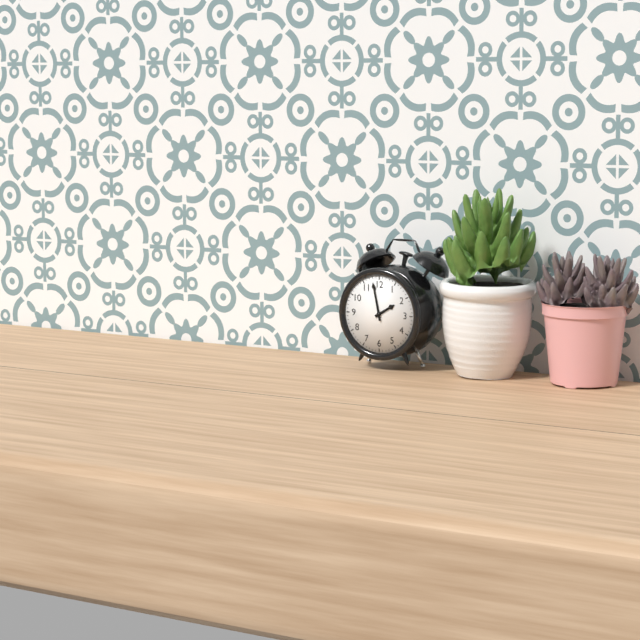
1:58
